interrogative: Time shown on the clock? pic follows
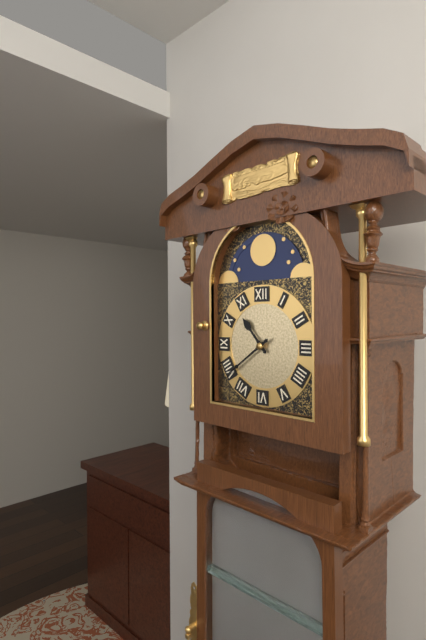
10:39
